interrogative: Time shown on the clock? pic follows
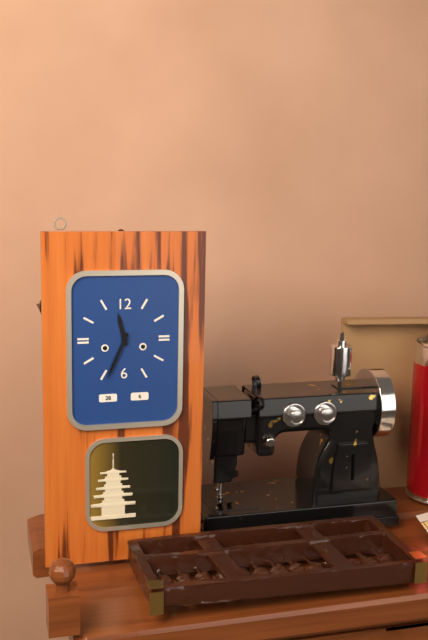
11:34
